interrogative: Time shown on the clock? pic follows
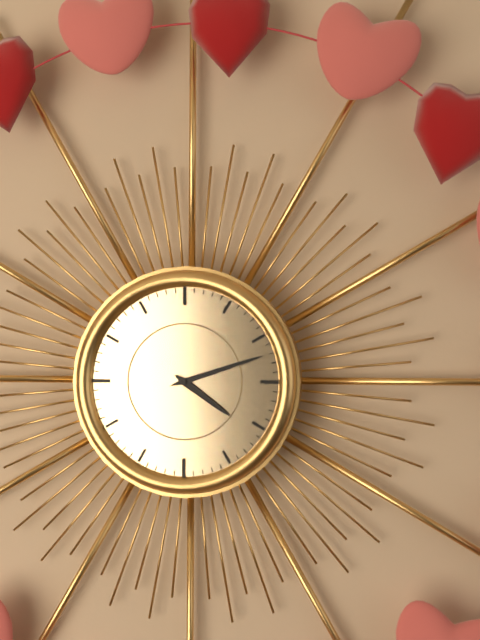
4:12
